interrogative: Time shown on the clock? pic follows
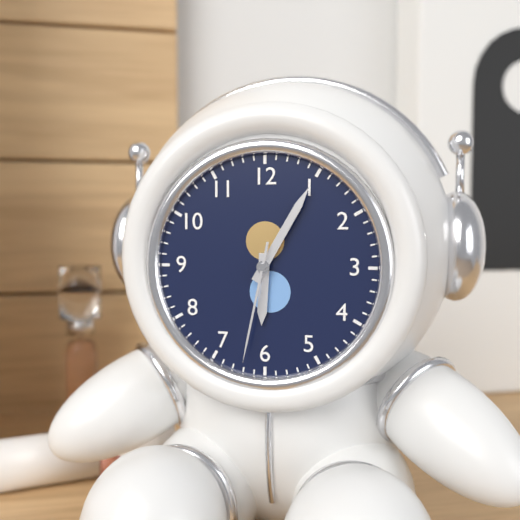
6:05:32
